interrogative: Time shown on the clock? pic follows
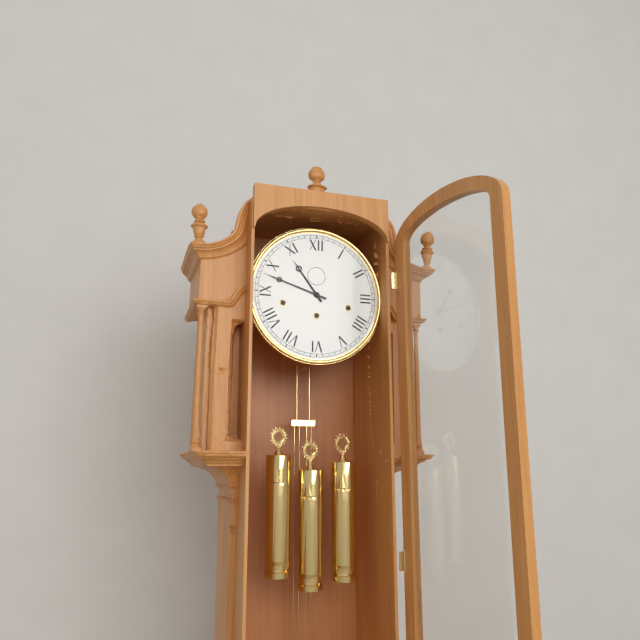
10:48
